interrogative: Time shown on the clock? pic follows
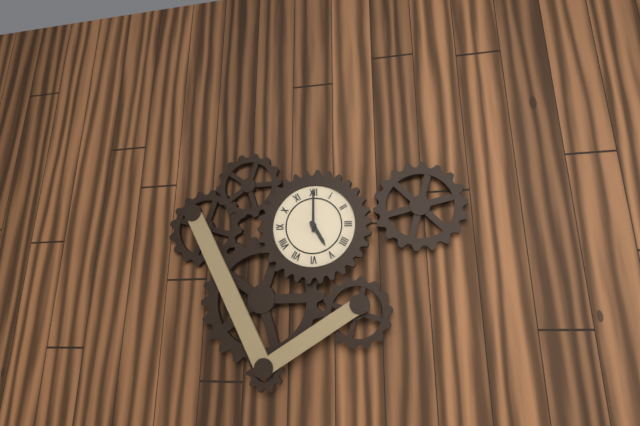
5:00
